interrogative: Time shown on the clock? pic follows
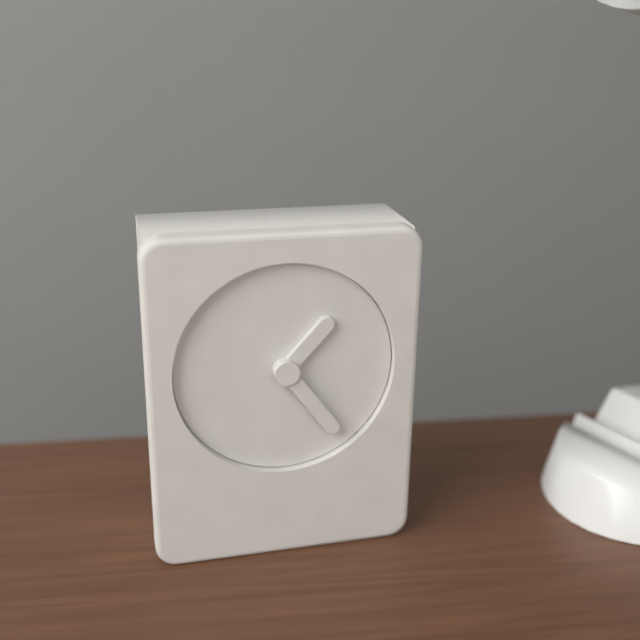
1:24
